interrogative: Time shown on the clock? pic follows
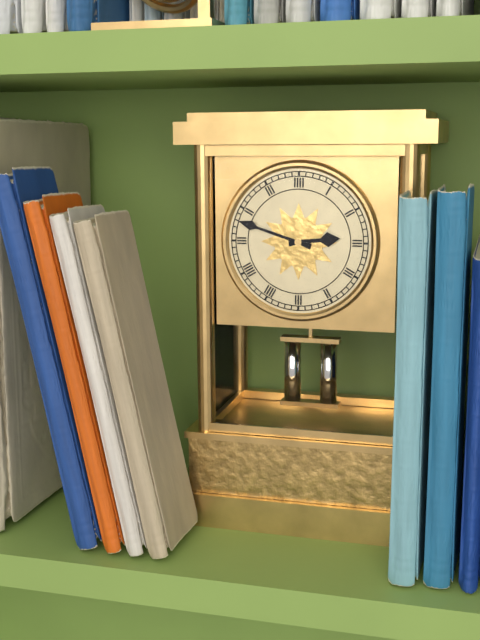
2:48
